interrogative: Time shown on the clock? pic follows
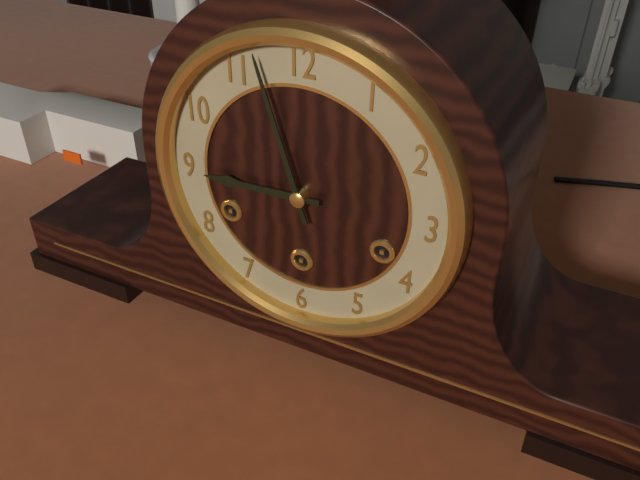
8:57
